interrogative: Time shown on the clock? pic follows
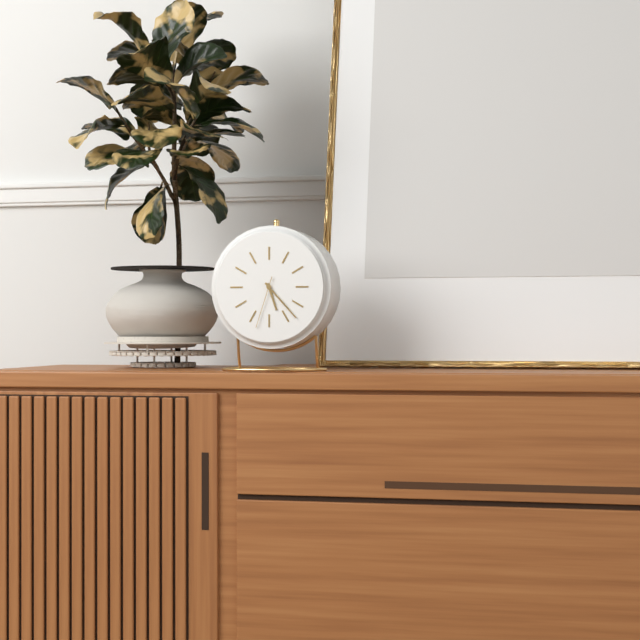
5:23:33
